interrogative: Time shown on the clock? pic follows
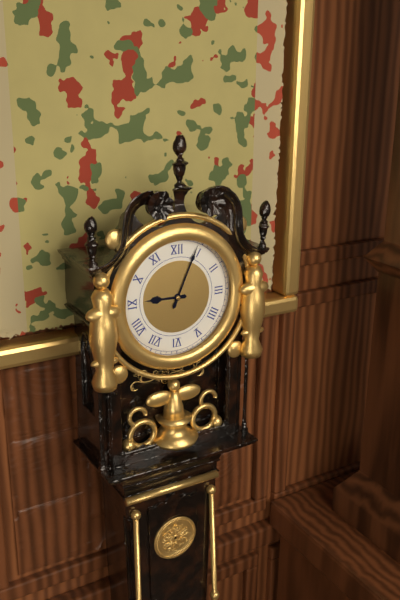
9:04
